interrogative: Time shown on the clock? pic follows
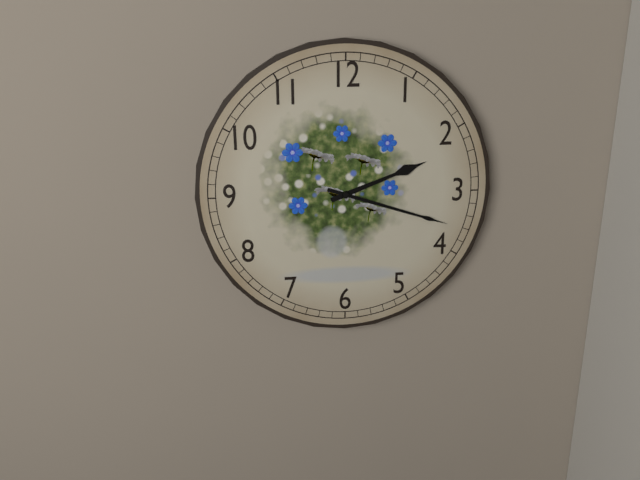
2:18
